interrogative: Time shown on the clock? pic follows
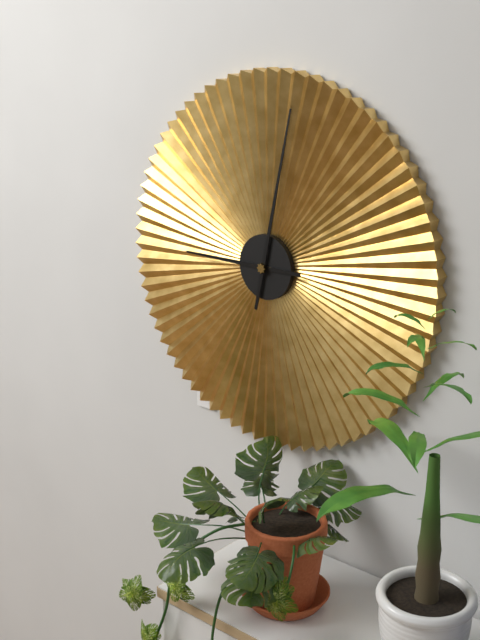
9:02
